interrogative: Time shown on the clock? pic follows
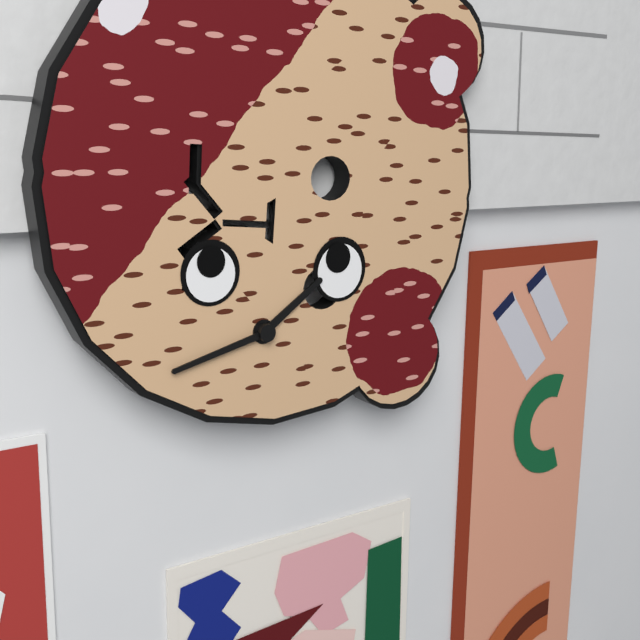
1:42
